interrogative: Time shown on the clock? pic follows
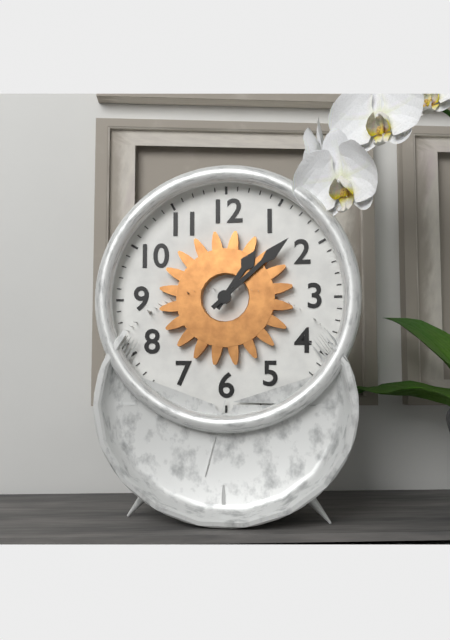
1:08
